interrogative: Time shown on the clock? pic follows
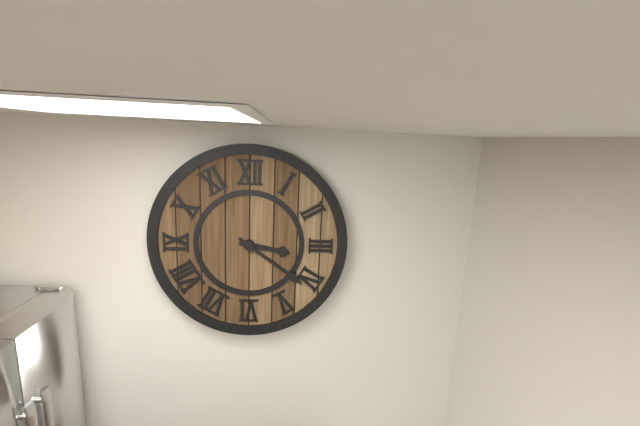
3:21
